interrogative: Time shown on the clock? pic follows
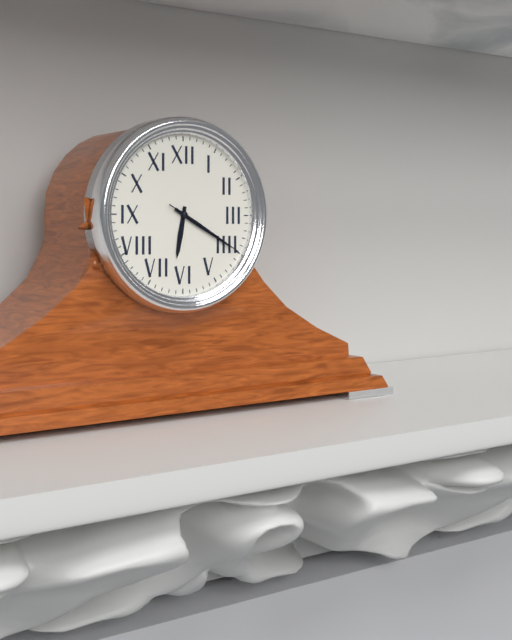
6:20:20
